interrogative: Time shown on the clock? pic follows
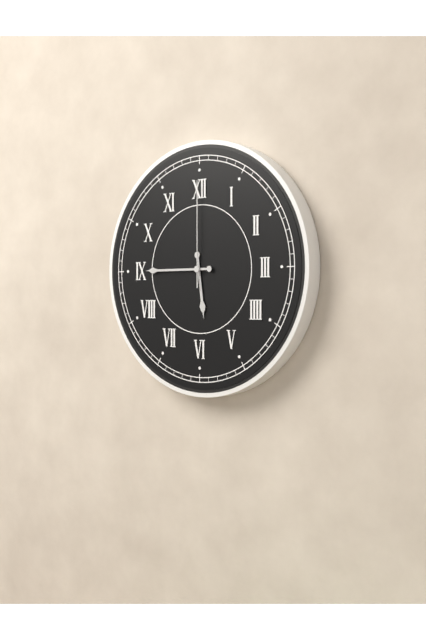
5:45:00
